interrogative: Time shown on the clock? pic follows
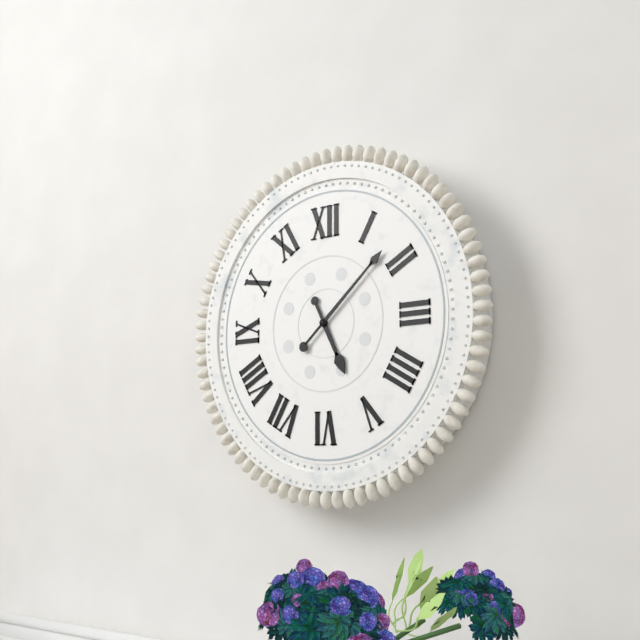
5:08
